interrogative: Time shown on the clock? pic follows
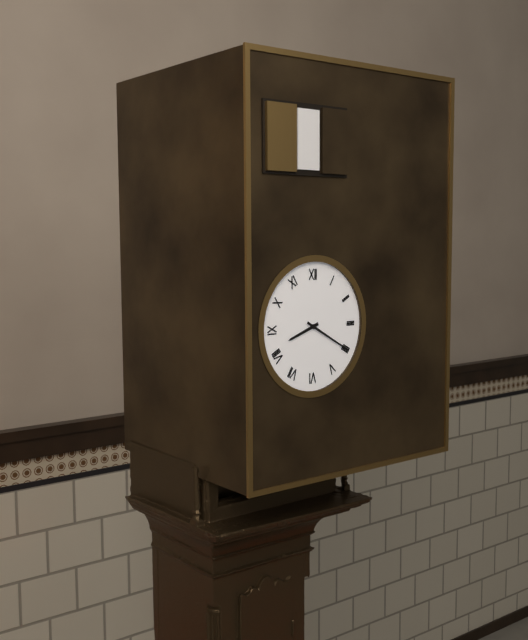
8:20
